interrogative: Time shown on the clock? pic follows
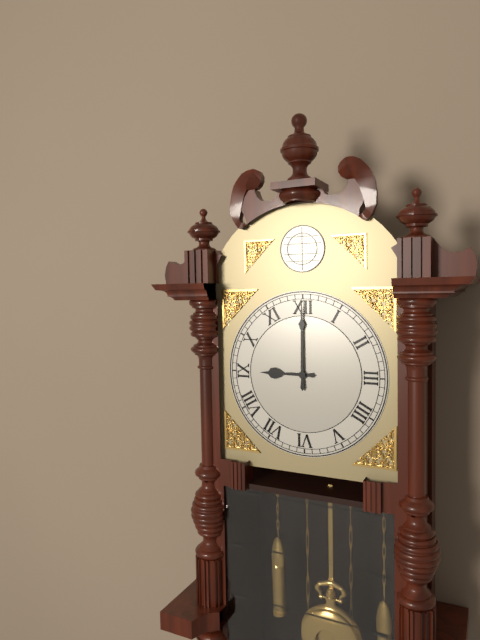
9:00
